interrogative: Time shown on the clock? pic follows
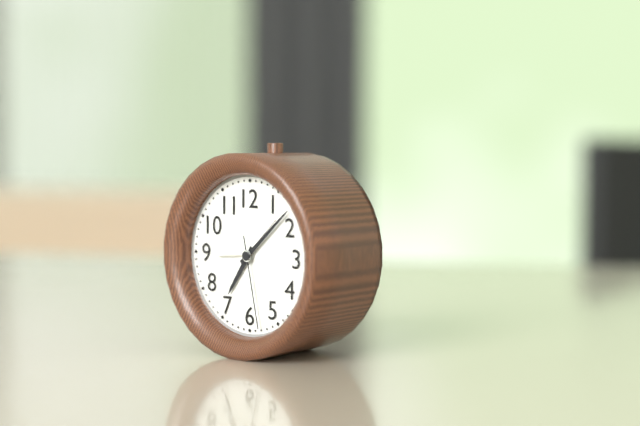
7:08:28
